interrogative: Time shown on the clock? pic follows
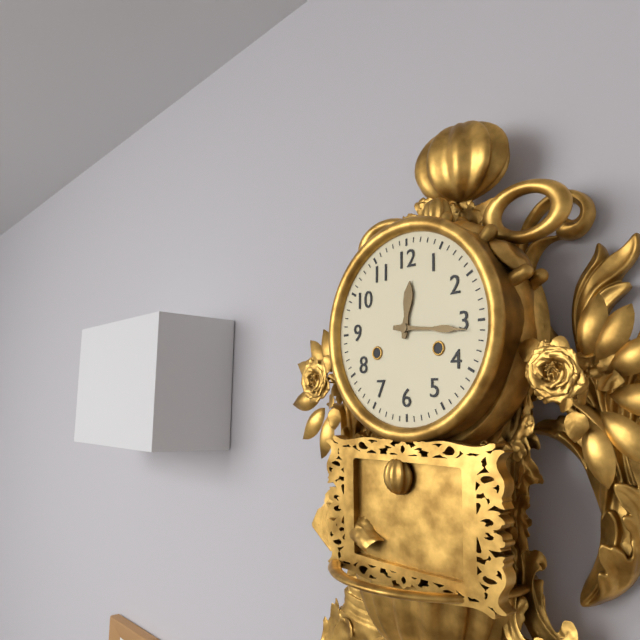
12:16
